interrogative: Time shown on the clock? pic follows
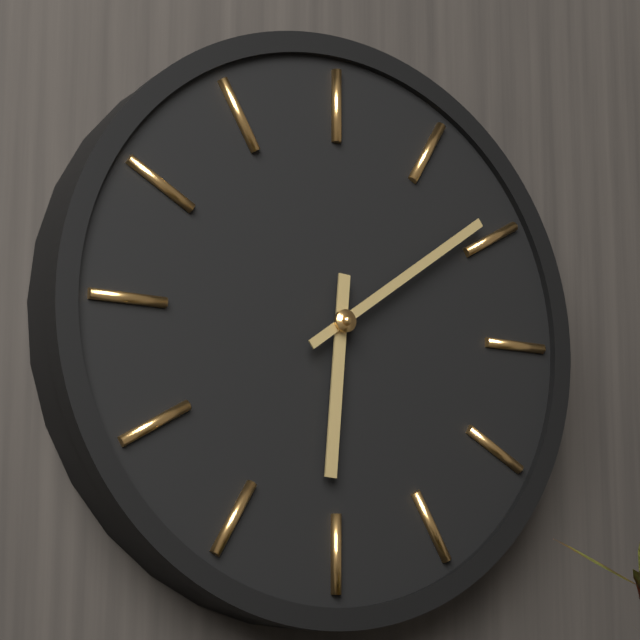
6:09
